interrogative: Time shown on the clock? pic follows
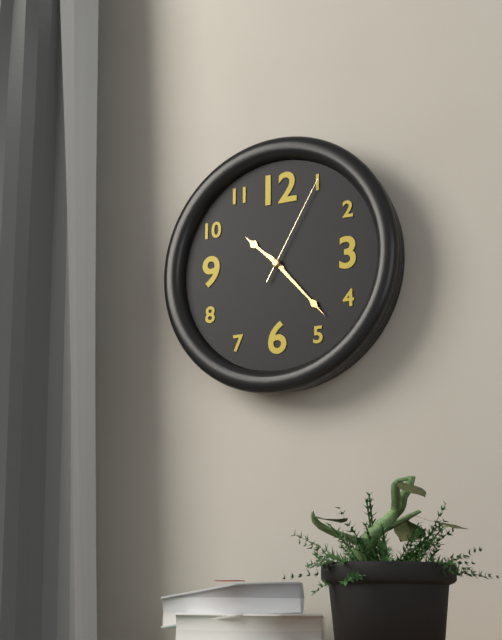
10:23:05
